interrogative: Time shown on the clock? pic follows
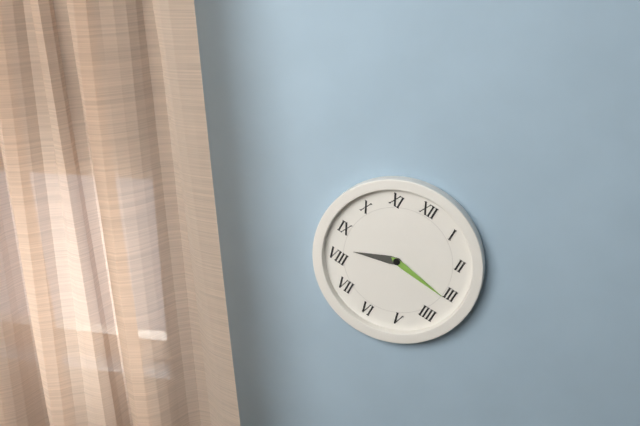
8:16
